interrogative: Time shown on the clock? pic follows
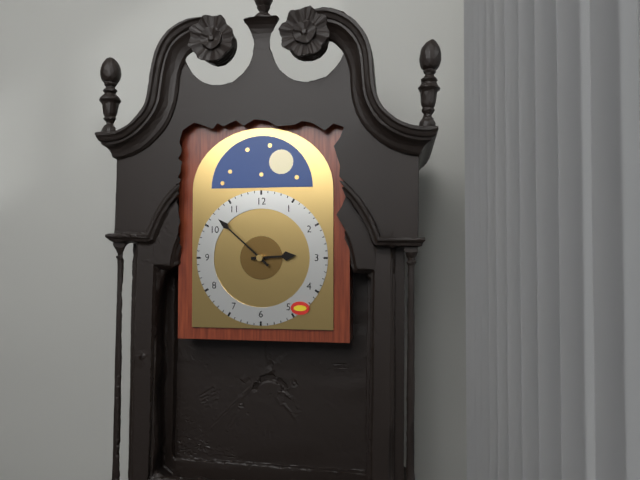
2:52
